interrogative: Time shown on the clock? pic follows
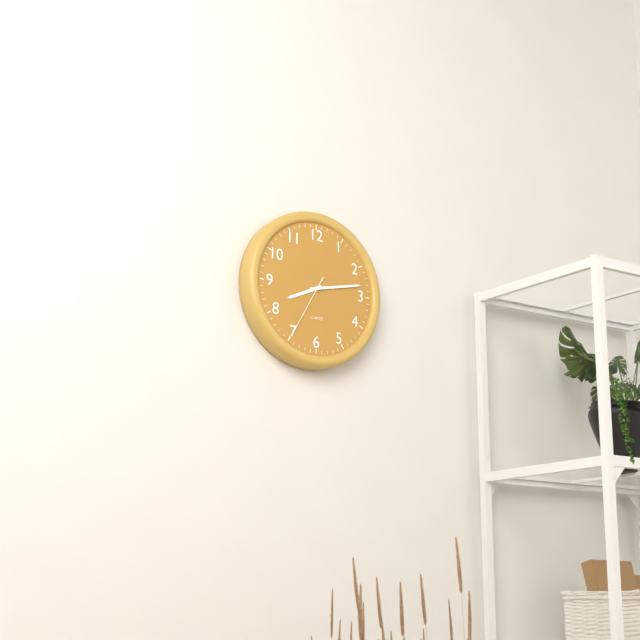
8:13:35
